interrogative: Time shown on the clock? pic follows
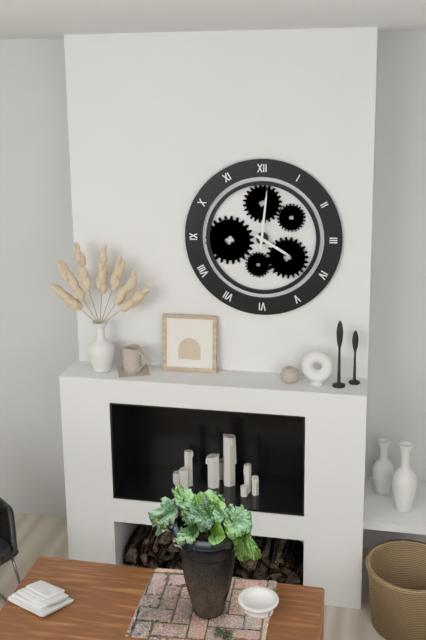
4:01
